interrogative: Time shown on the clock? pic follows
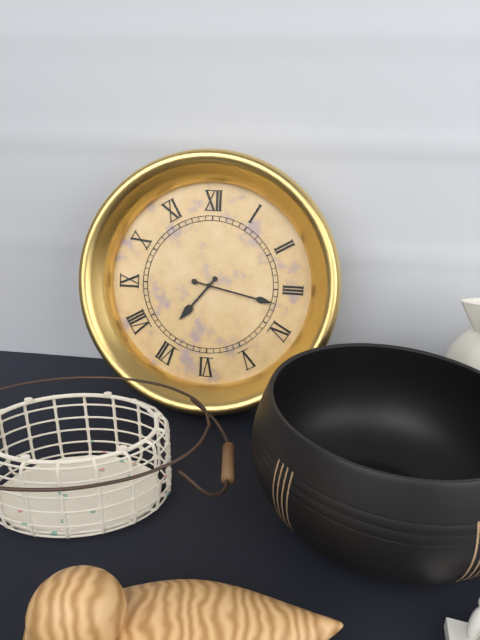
7:17
